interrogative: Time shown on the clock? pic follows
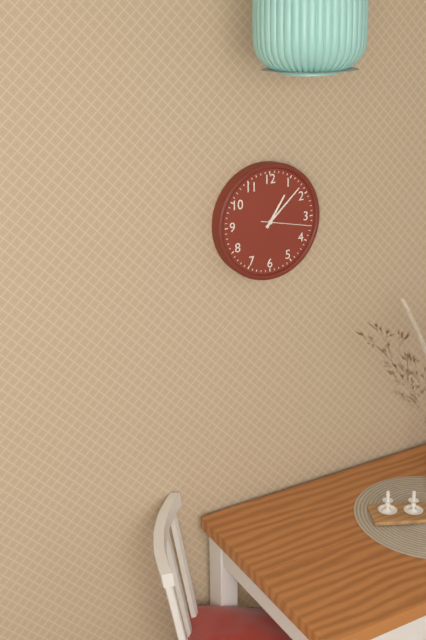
1:08:17
